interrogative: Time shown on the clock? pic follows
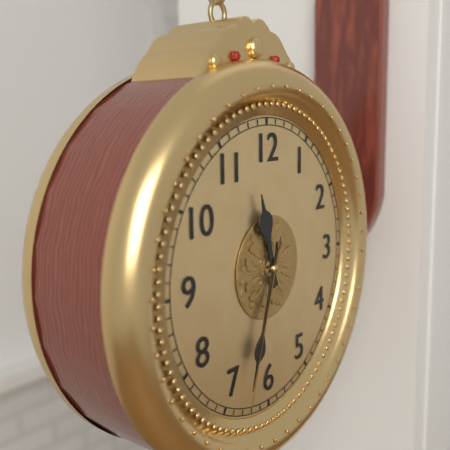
11:33:33
